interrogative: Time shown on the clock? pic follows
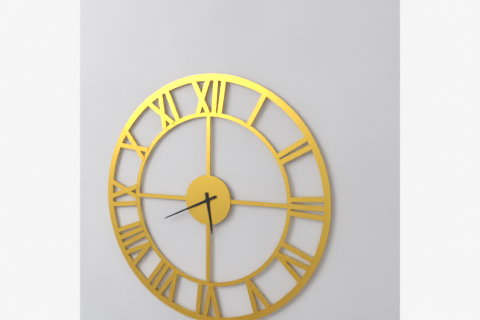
5:41
